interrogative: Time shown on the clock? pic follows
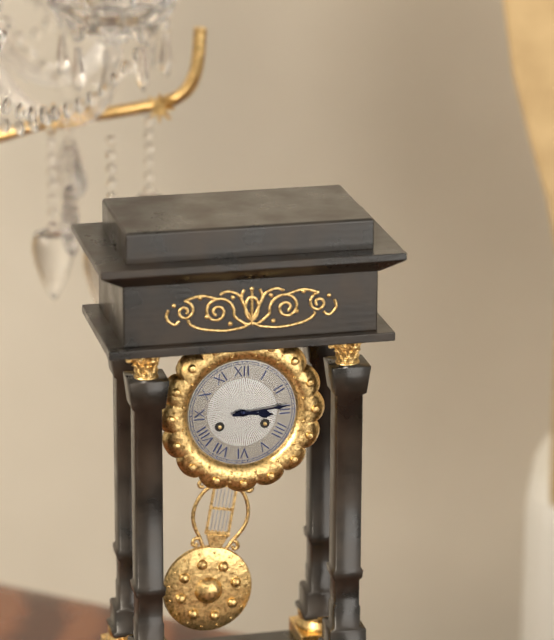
3:14
